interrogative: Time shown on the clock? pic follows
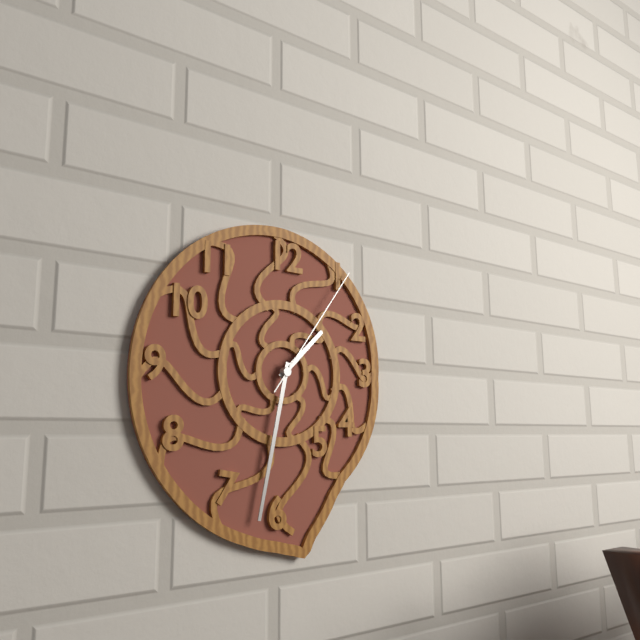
1:32:06
